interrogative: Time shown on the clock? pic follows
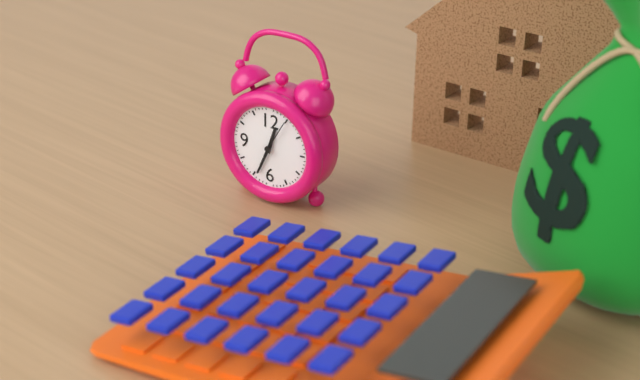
12:34
